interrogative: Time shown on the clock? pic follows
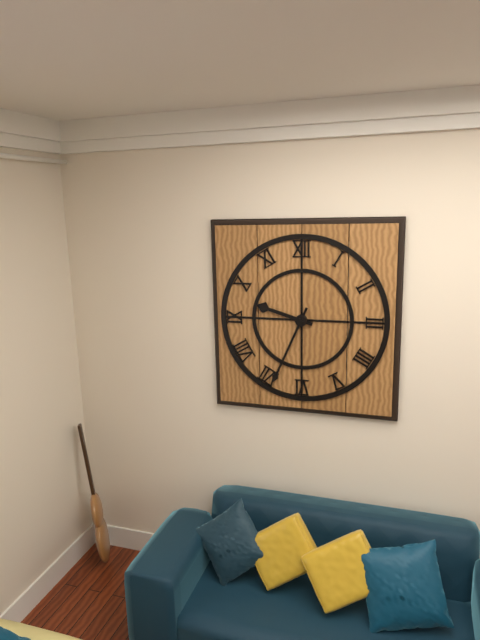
9:34
